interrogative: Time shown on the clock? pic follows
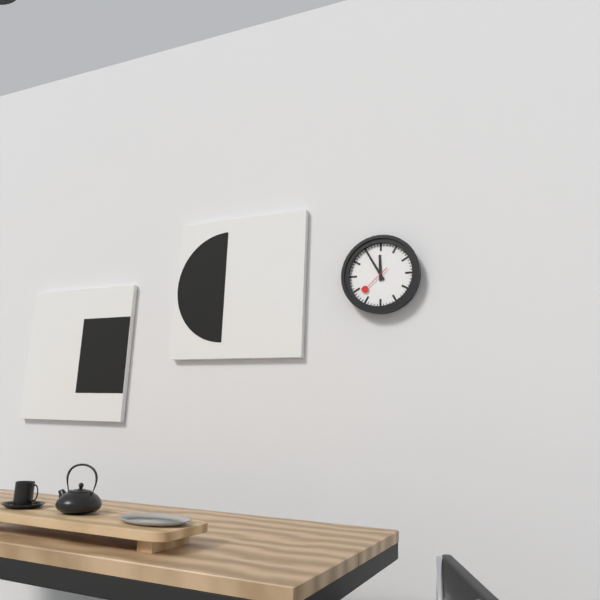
11:55
